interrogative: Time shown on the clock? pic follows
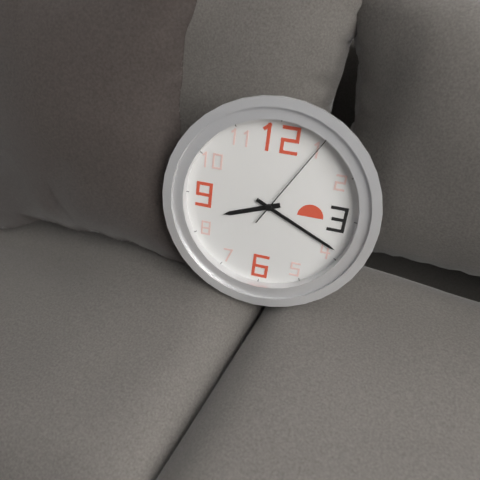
8:19:05
